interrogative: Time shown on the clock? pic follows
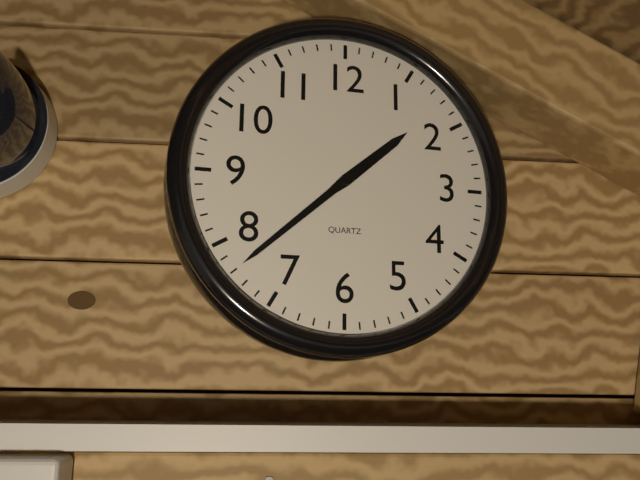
1:38
